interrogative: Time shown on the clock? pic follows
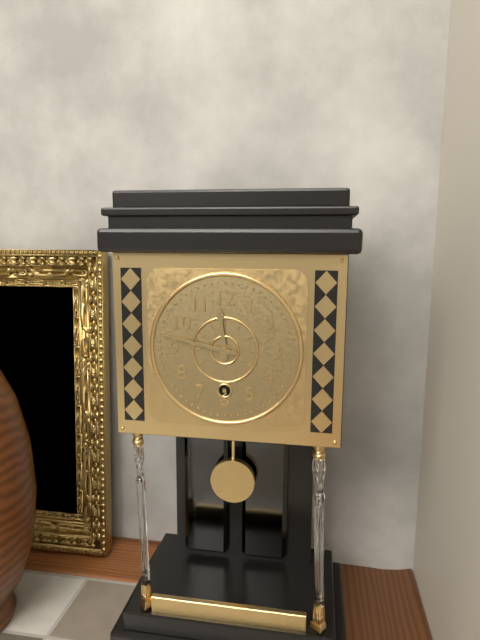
11:47
